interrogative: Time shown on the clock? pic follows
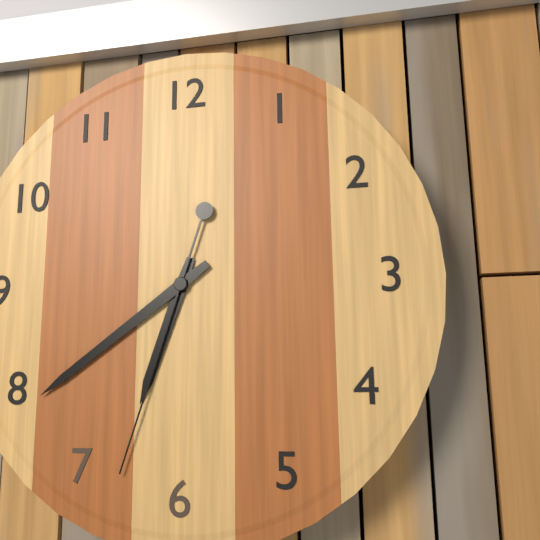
6:39:33
